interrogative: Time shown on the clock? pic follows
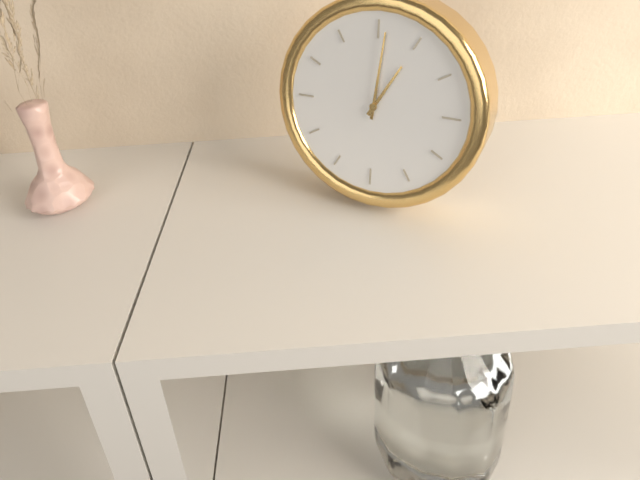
1:01
